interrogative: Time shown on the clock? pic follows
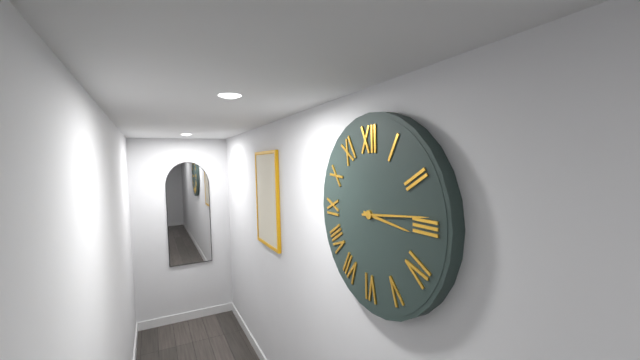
3:14
